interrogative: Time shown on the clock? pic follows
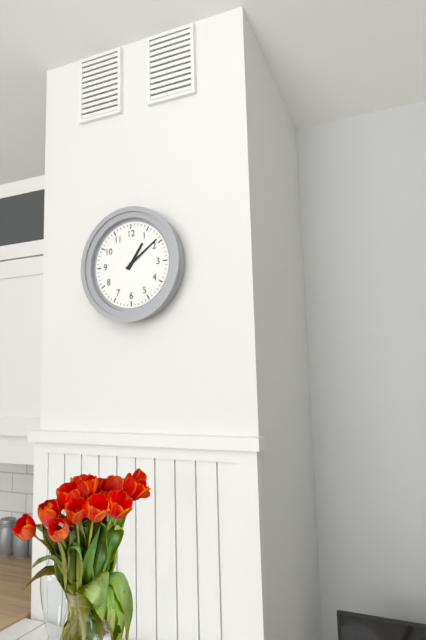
1:09
